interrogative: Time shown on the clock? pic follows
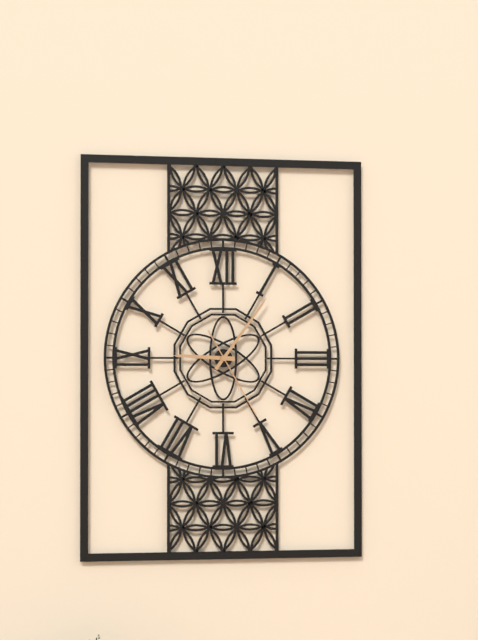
9:06:25
